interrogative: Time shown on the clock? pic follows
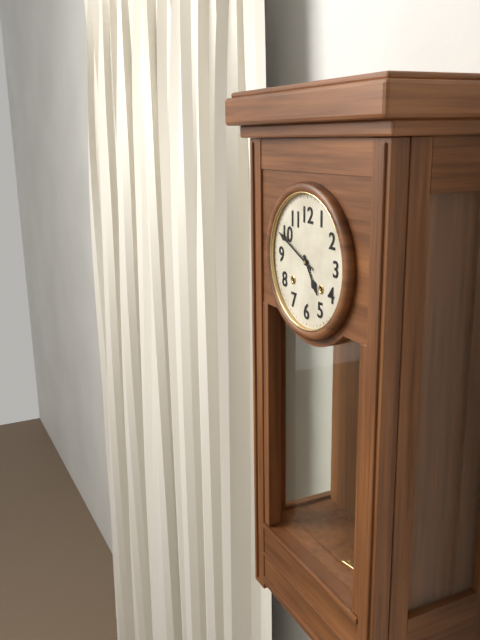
4:49
